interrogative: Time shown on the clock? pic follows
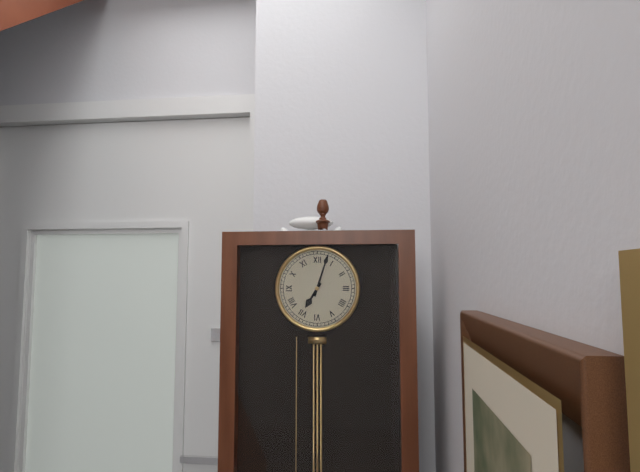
7:03
